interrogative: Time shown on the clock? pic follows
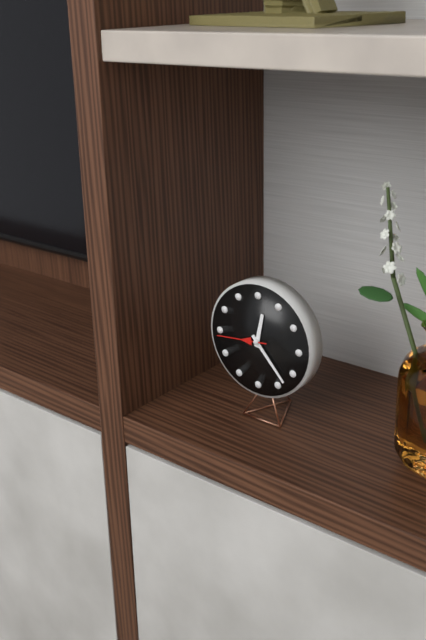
12:23
